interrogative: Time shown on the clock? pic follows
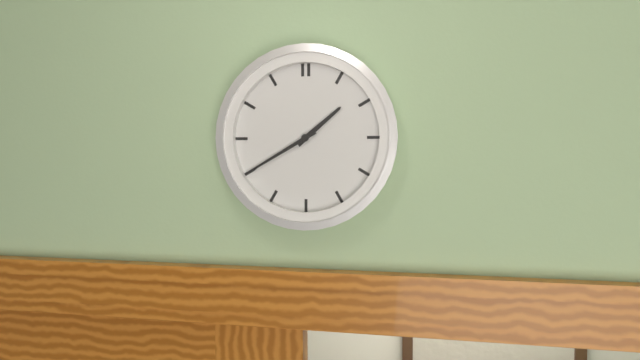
1:40
